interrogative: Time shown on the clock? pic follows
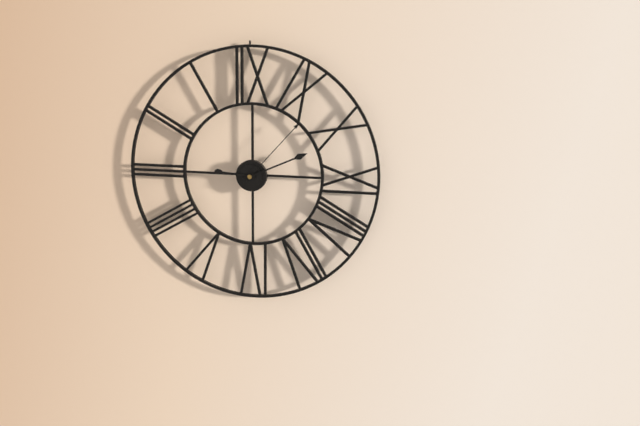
9:11:07
